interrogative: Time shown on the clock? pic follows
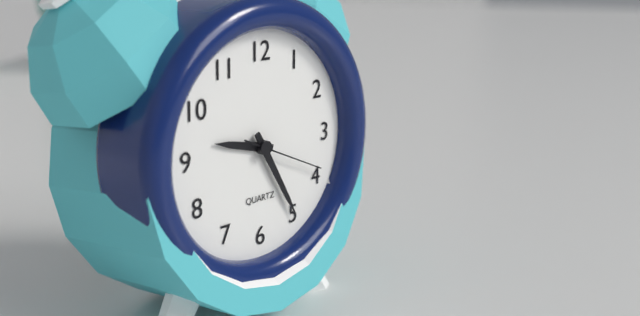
9:25:19
